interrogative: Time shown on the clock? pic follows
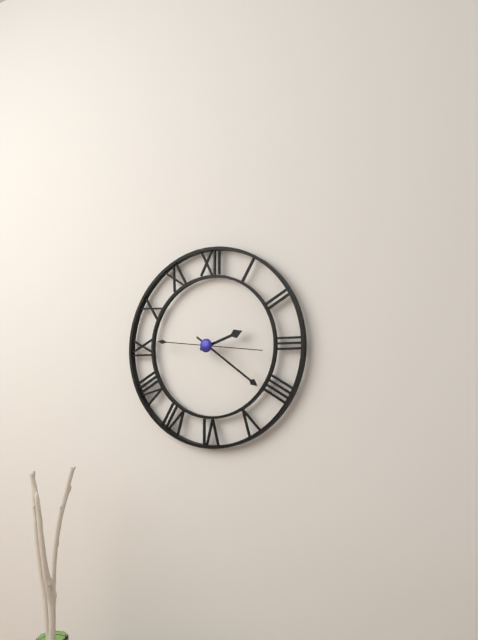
2:21:16
